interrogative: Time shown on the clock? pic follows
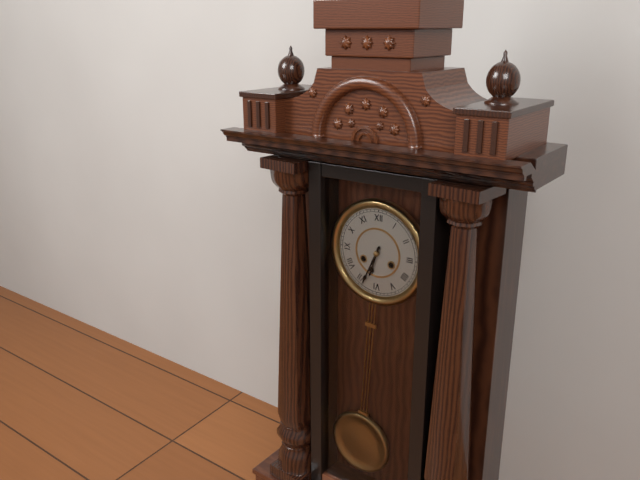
6:34
